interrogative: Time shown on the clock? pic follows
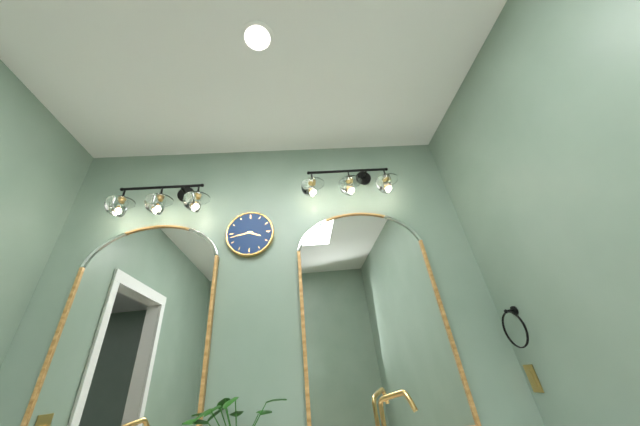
3:43
